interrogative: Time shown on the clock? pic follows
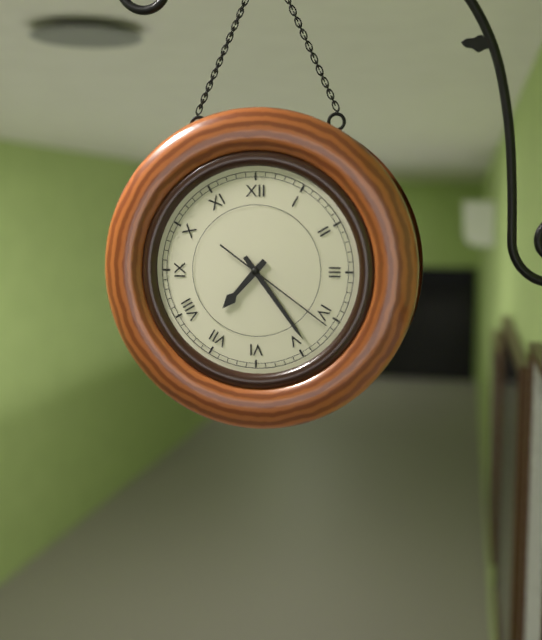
7:24:21
